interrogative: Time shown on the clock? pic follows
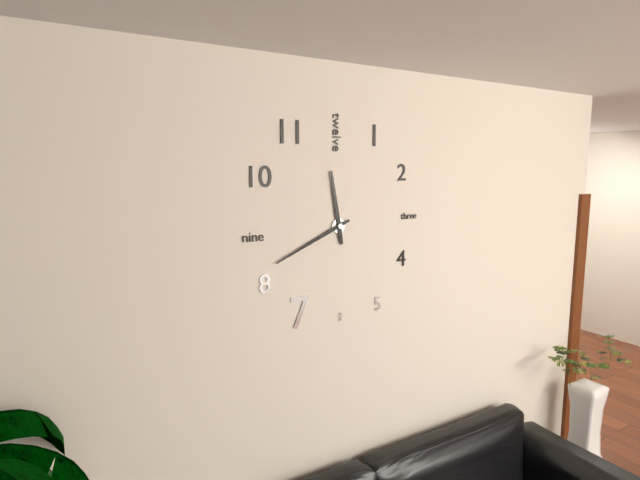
11:41
